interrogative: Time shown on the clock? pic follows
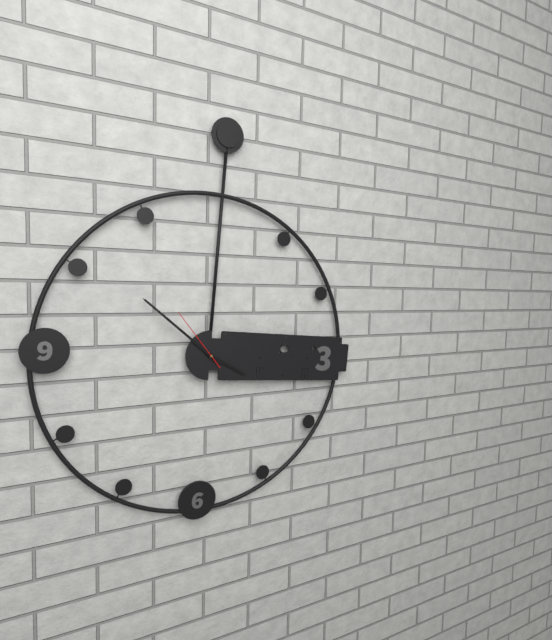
3:51:53
